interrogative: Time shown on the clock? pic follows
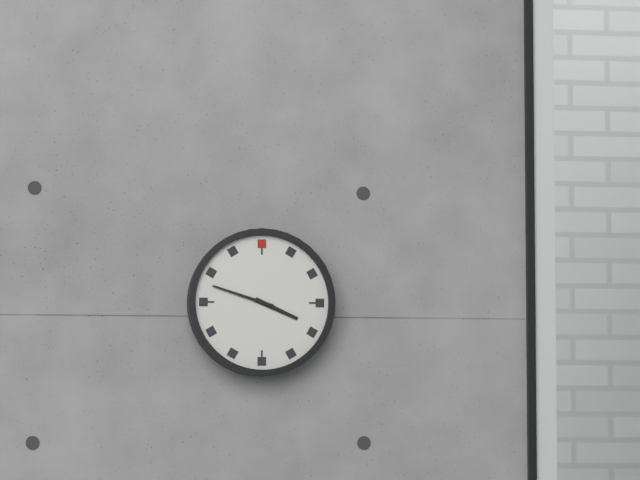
3:48
